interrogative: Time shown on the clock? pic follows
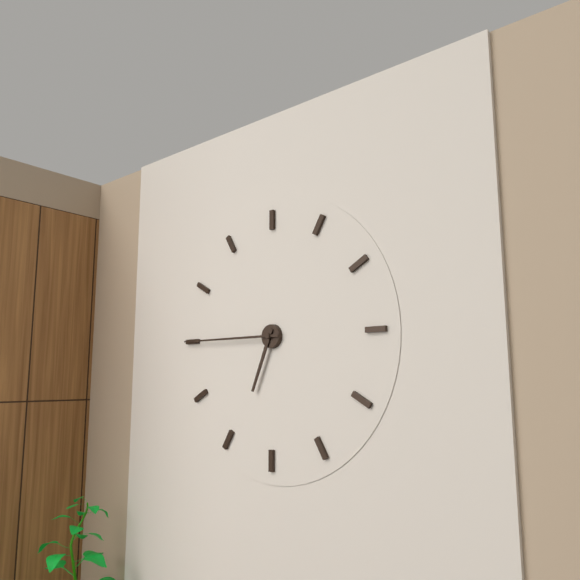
6:45
